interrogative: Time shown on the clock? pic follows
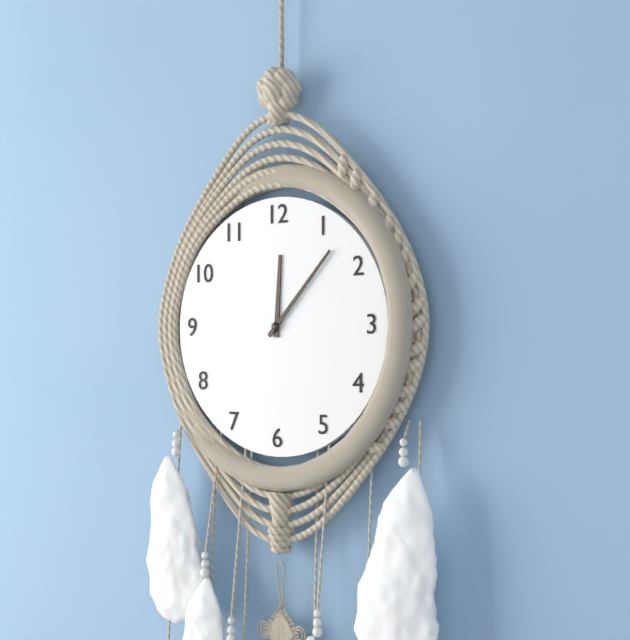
12:07
